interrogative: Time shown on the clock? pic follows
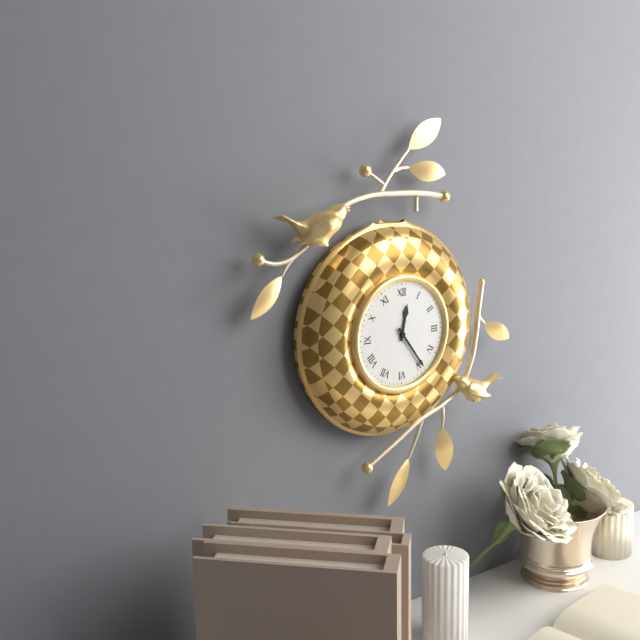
12:24
